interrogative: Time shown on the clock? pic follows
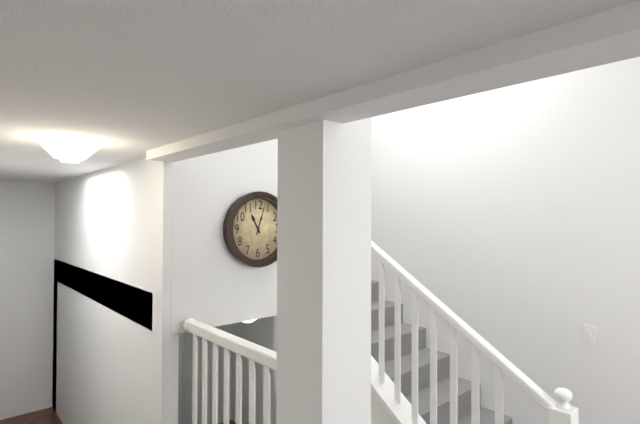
11:03
